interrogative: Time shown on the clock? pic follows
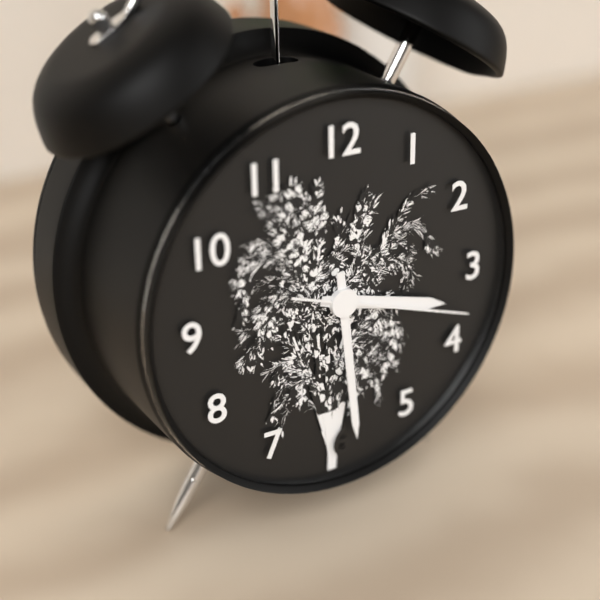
3:29:18
